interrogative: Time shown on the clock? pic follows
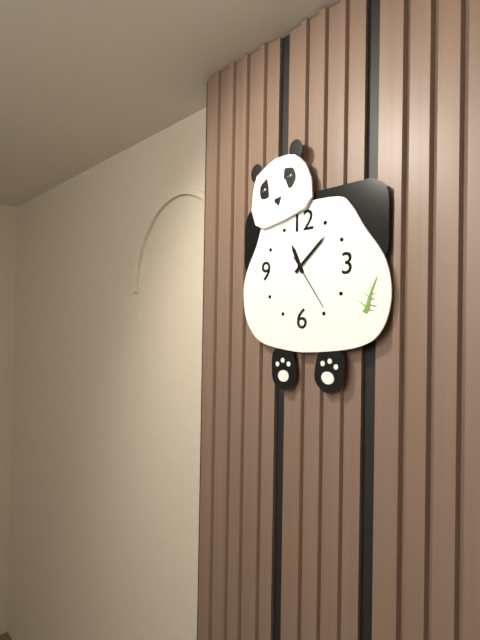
11:08:24
